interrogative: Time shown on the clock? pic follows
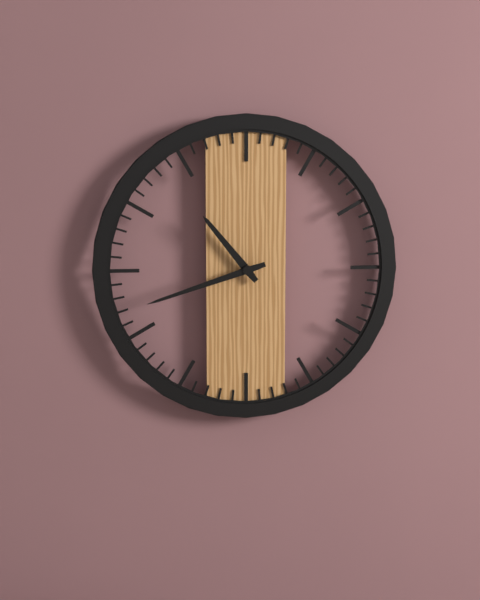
10:42
